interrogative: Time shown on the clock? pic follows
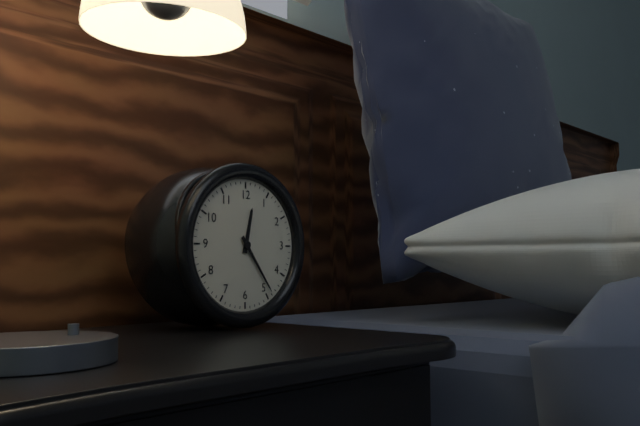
12:24
